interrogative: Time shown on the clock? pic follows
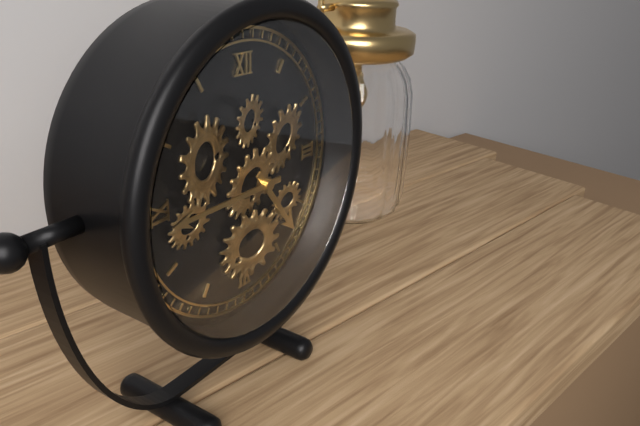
4:45
